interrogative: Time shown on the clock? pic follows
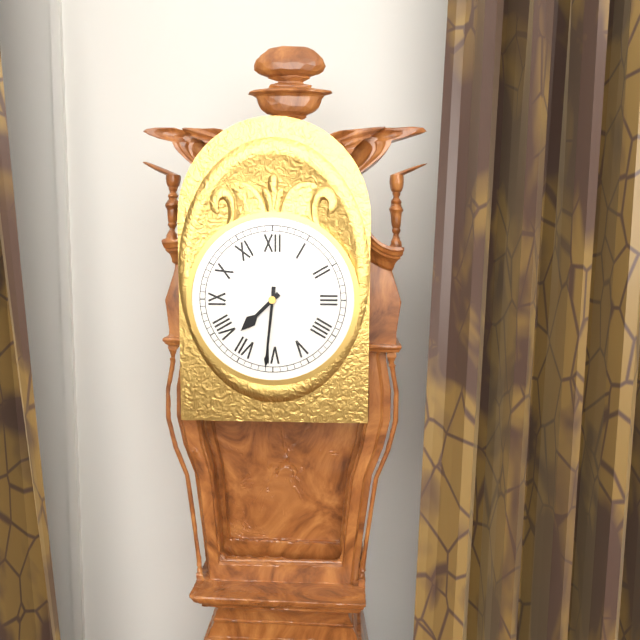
7:31
